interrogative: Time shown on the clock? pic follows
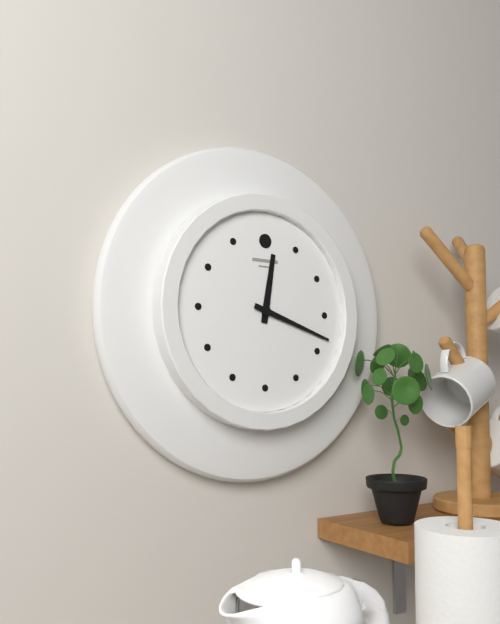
12:18
